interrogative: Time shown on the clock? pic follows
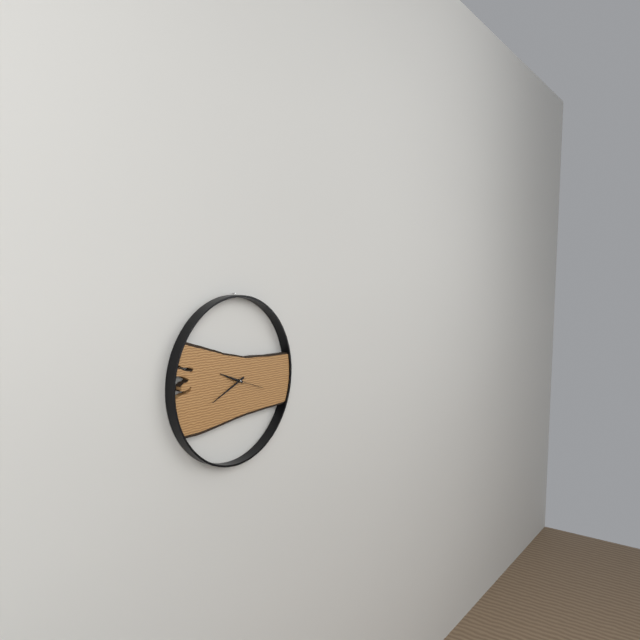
9:41
